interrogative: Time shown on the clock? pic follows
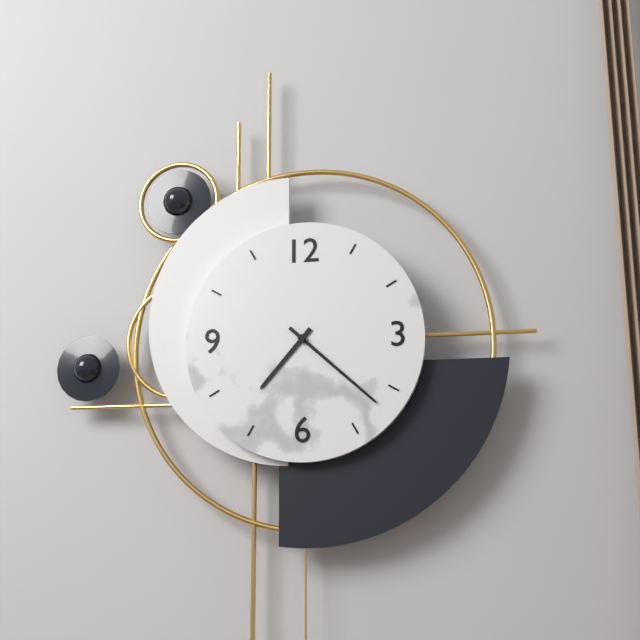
7:22
